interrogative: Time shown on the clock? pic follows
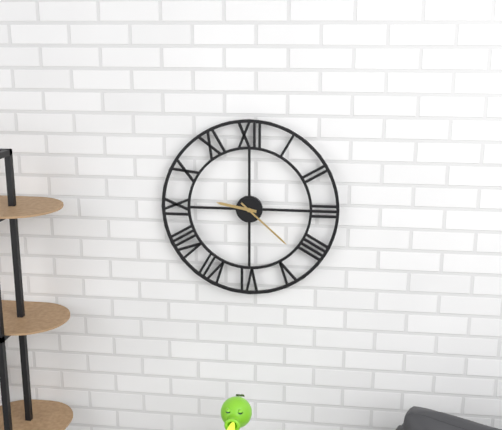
9:22
